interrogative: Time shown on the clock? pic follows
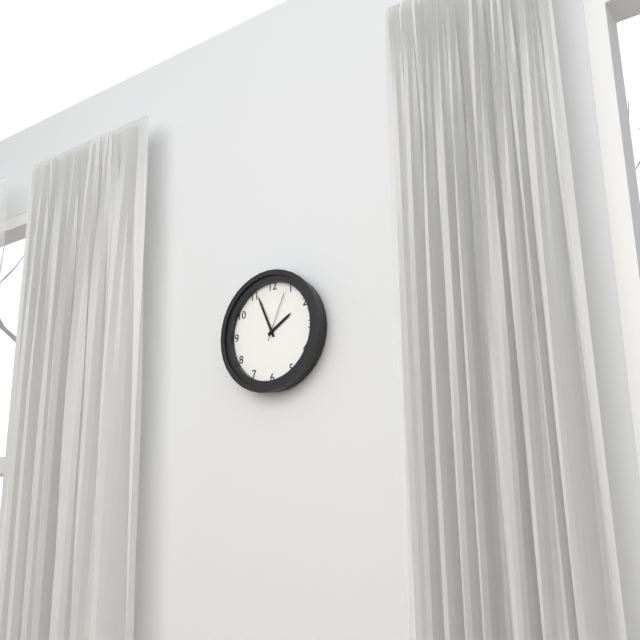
1:56:04
